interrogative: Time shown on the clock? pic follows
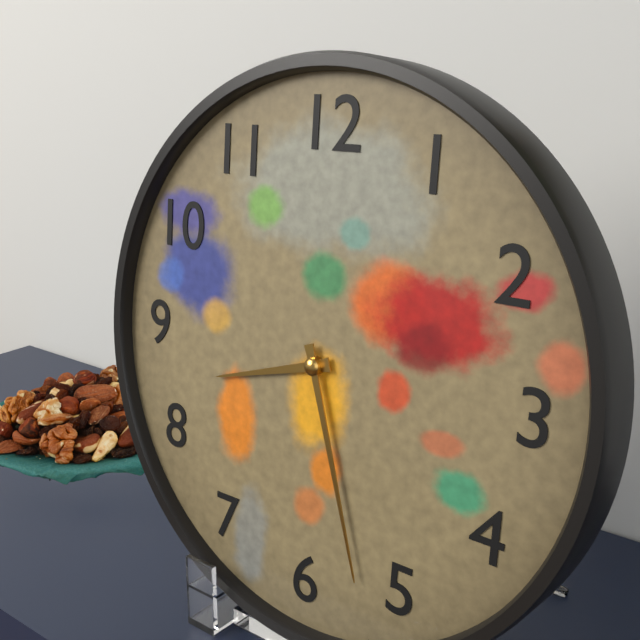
8:27
